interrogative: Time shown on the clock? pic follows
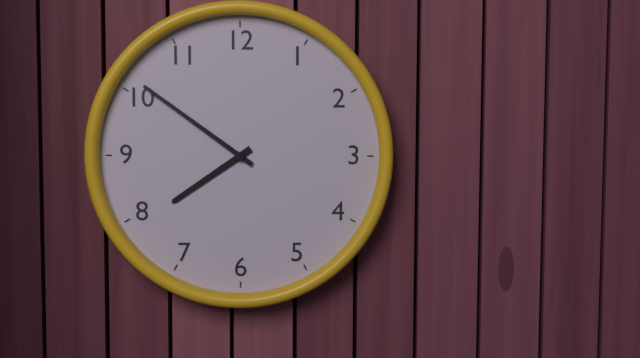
7:51
